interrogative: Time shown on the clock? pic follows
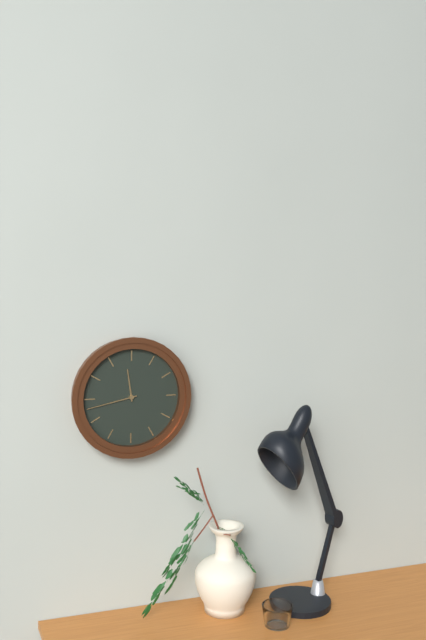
11:43
